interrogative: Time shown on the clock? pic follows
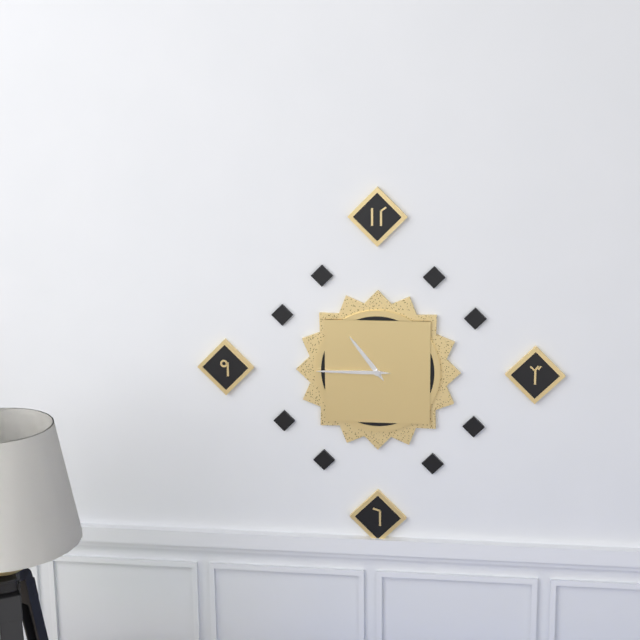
10:45
